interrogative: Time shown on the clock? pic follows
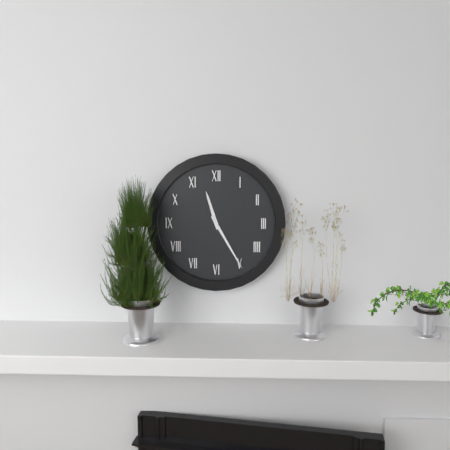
11:25
